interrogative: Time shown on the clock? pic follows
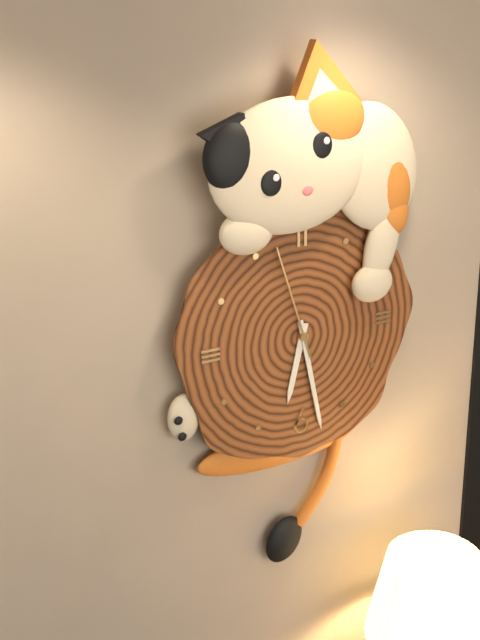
6:28:57
